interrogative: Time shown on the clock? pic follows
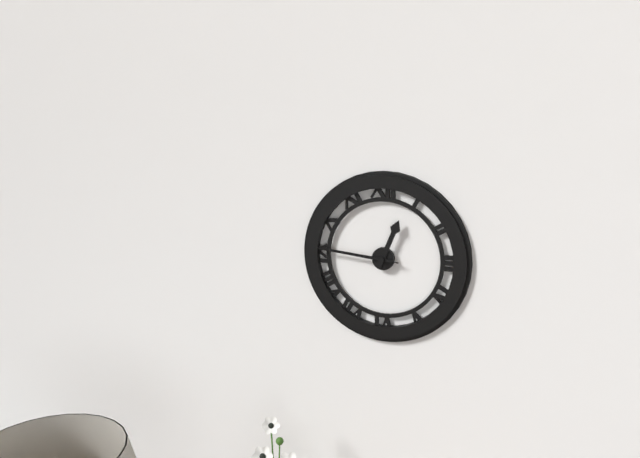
12:46:46
